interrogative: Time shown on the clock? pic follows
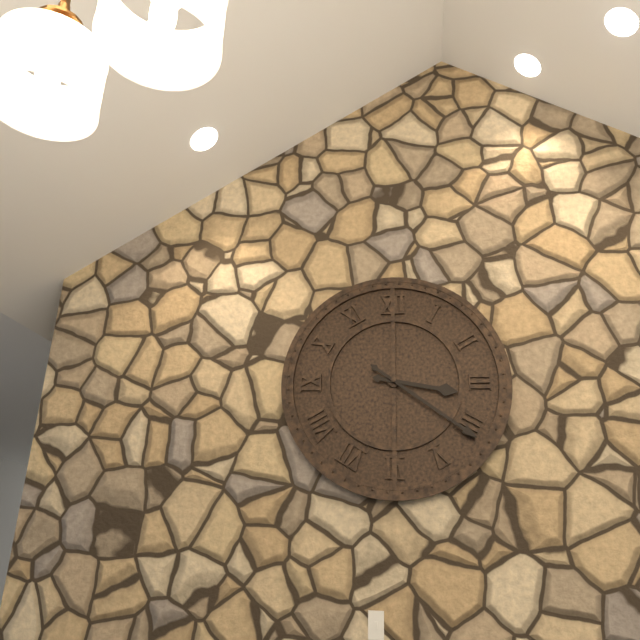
3:21
